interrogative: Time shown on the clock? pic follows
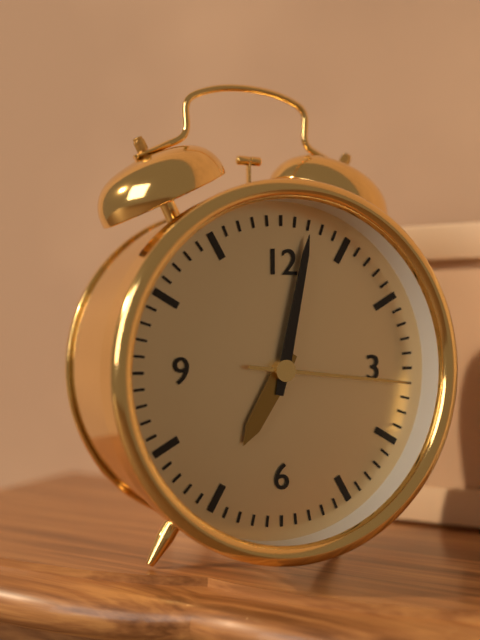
7:02:16
